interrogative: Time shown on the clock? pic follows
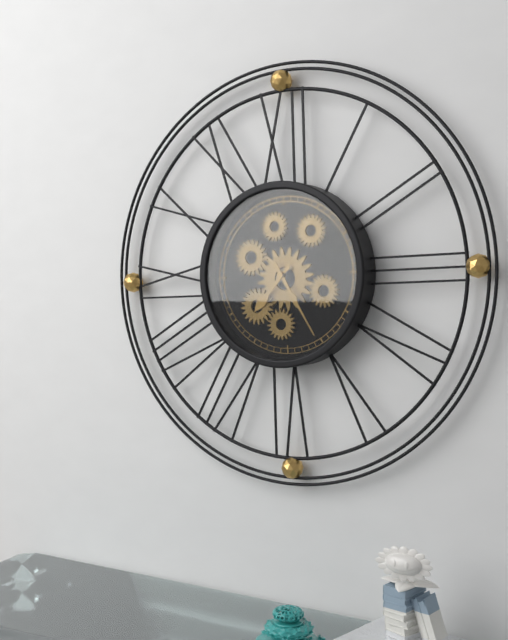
7:25
